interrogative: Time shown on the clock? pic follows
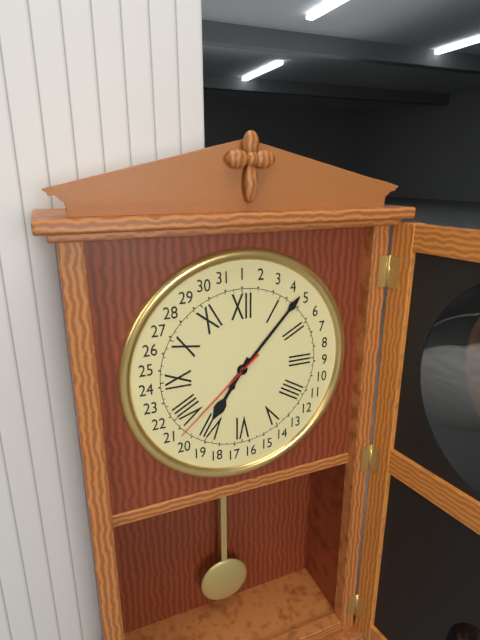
7:07:38
